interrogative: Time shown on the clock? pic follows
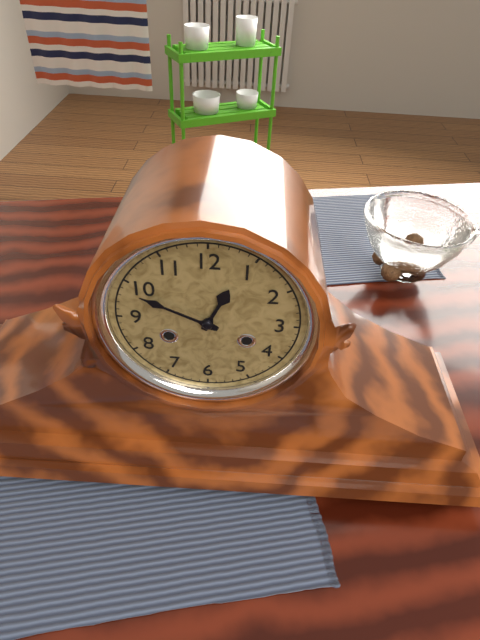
12:49
